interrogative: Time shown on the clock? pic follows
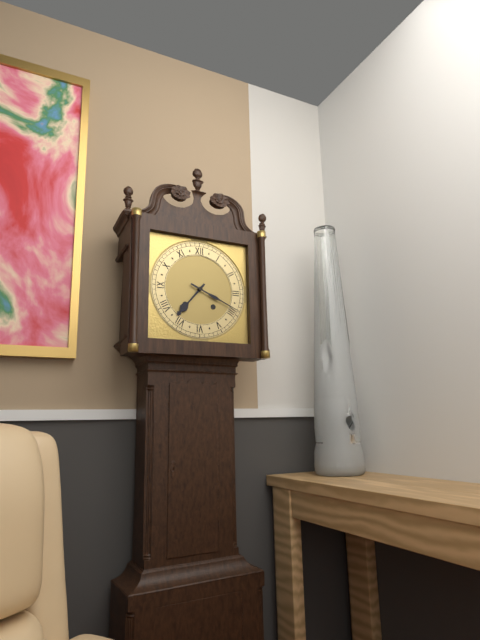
7:19
